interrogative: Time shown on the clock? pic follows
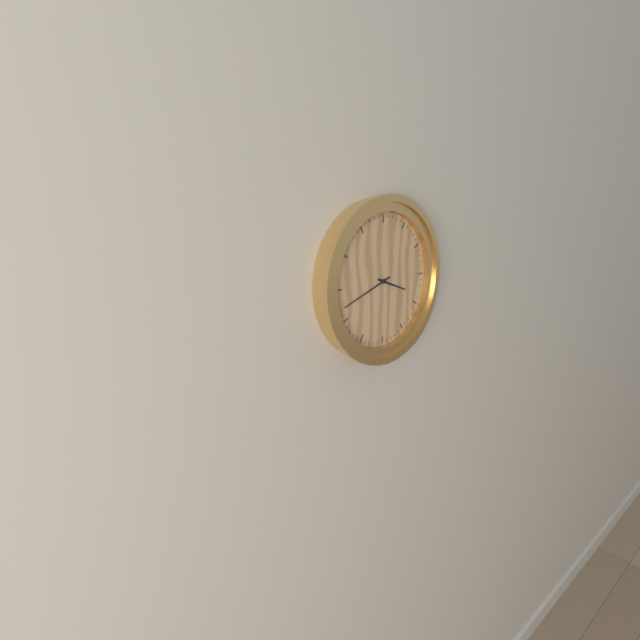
3:42
